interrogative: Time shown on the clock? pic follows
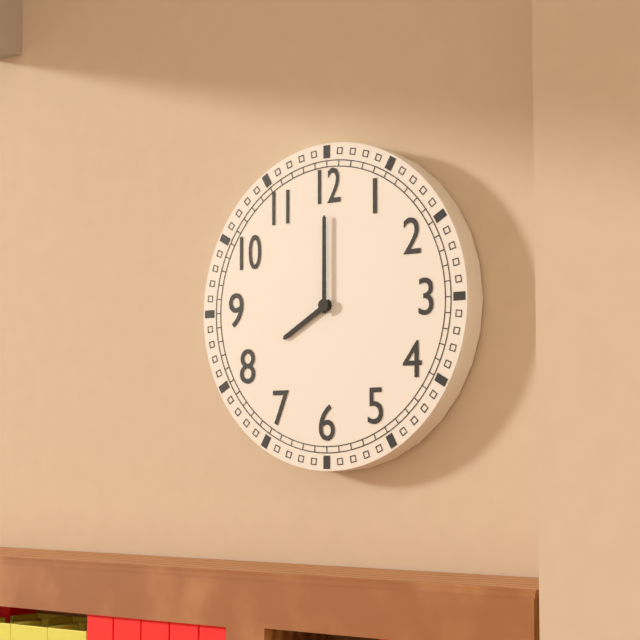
8:00
